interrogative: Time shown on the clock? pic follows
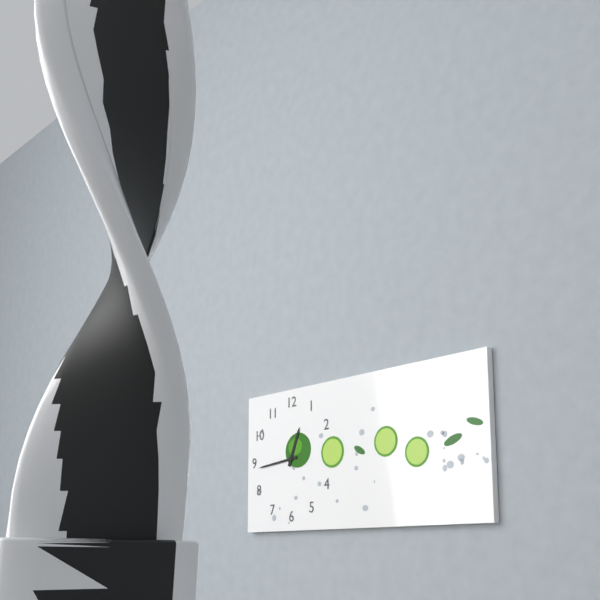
12:44
